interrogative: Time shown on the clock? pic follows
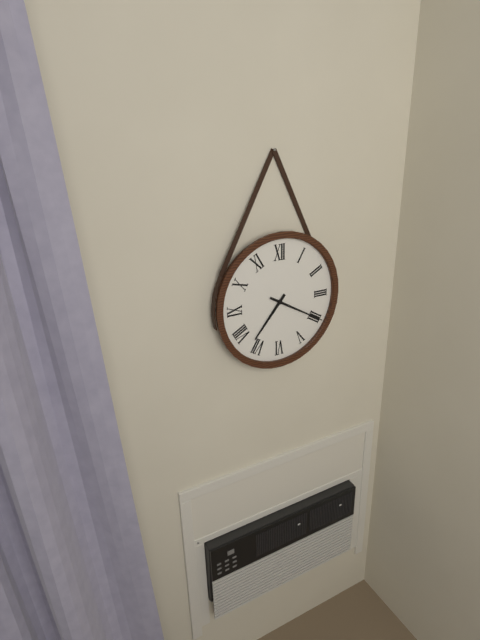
7:20
